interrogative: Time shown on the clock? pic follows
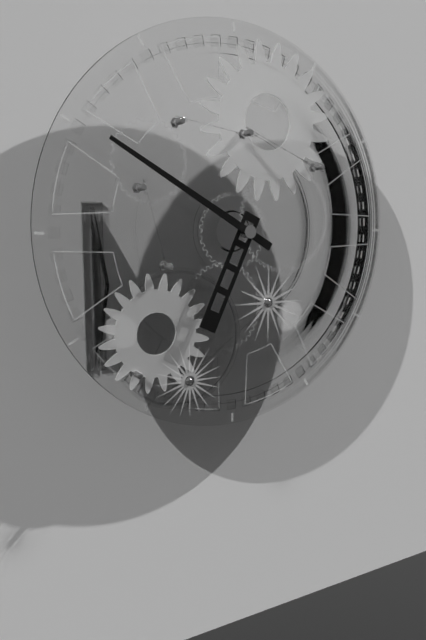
6:50
